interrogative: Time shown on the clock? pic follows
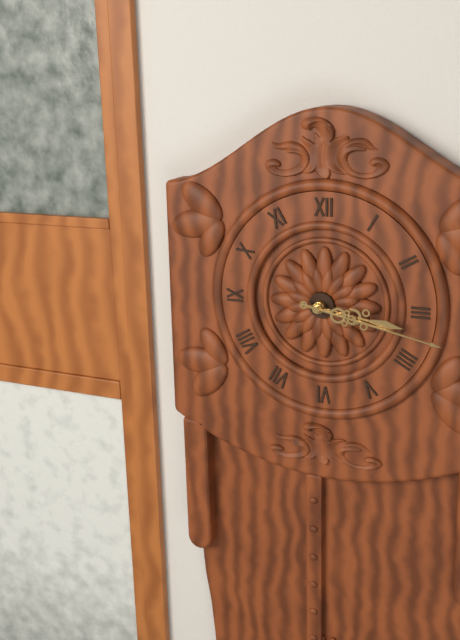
3:17
